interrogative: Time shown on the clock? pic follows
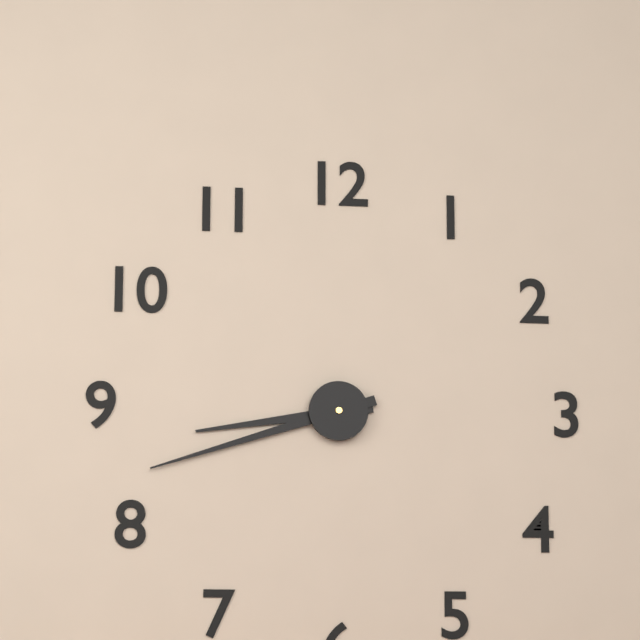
8:42
